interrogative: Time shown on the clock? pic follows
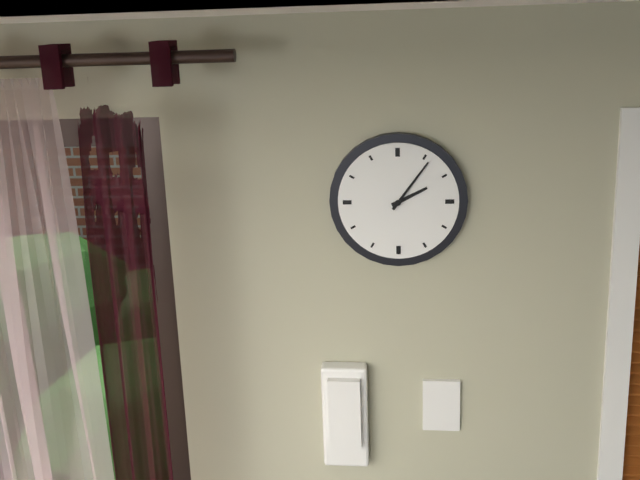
2:06
